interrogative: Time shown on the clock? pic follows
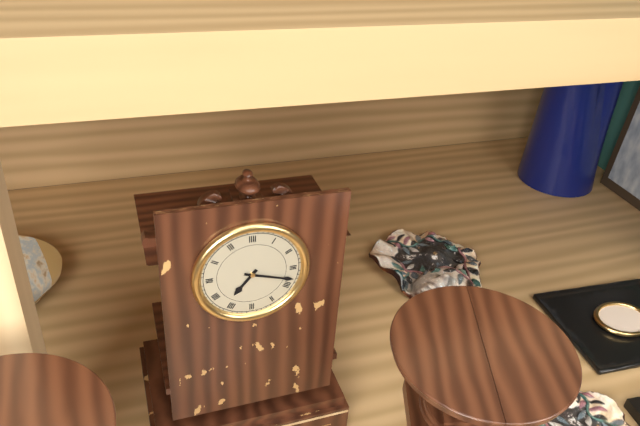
7:18
